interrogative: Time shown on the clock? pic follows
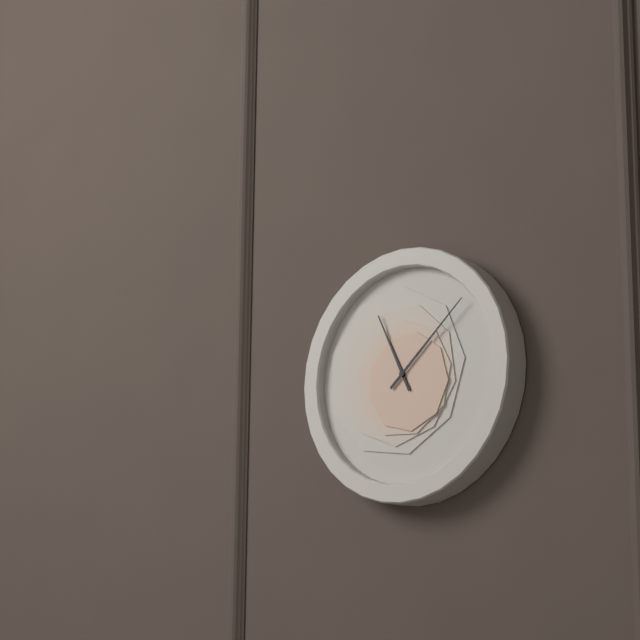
11:08
